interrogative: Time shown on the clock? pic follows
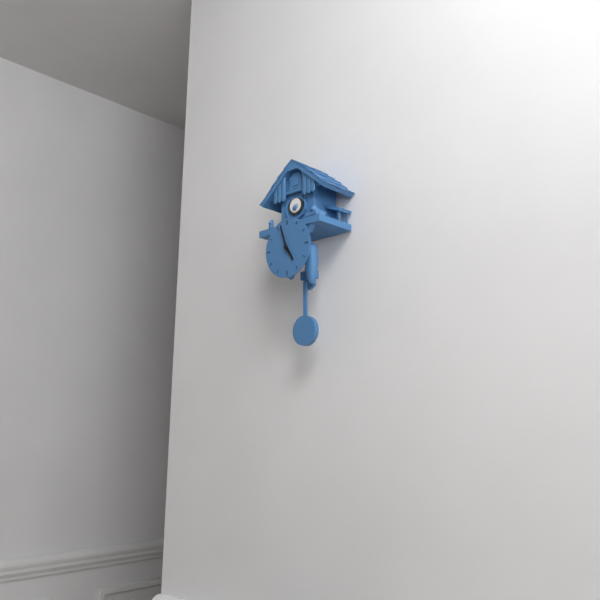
4:57
